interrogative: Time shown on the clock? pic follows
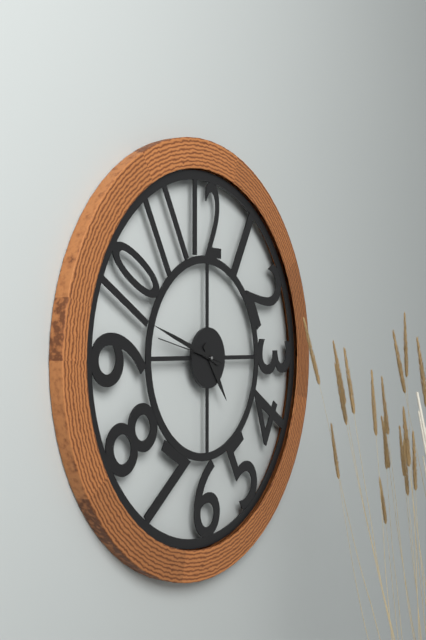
4:48:47
